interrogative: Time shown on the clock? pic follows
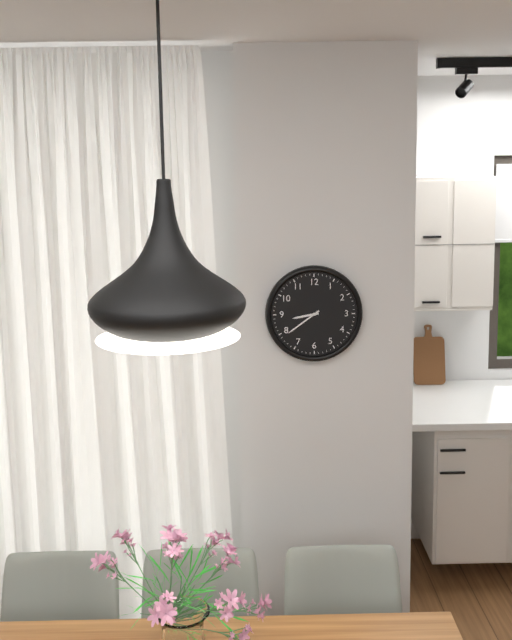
8:39
